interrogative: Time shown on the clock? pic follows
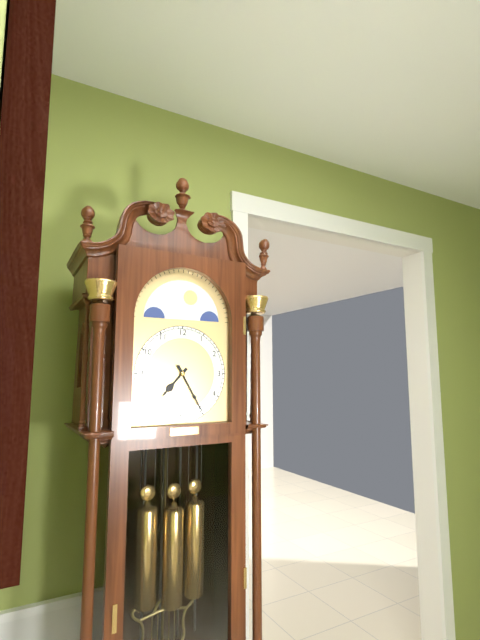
7:25
